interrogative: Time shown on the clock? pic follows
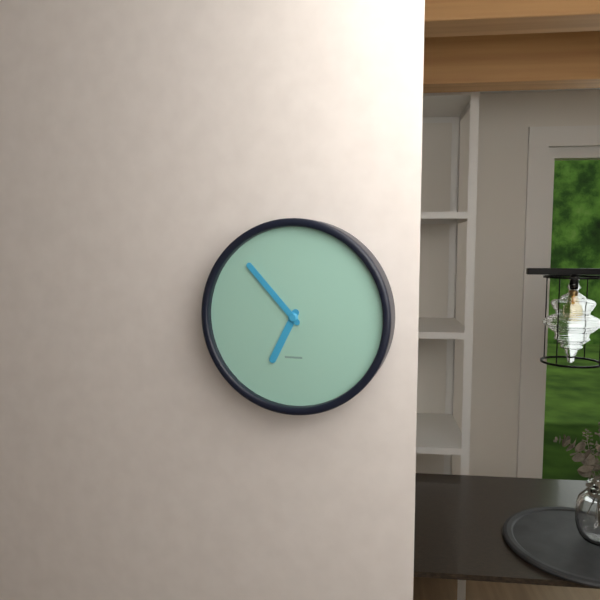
6:53
